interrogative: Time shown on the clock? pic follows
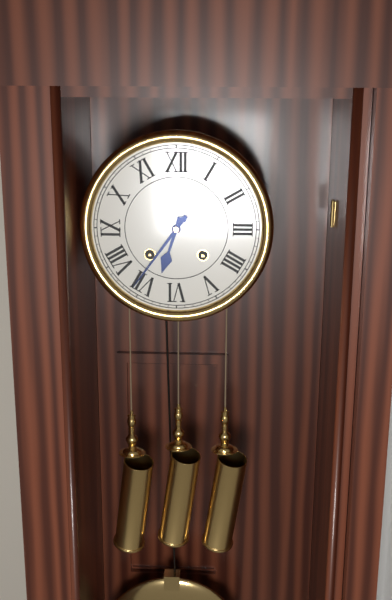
6:36
